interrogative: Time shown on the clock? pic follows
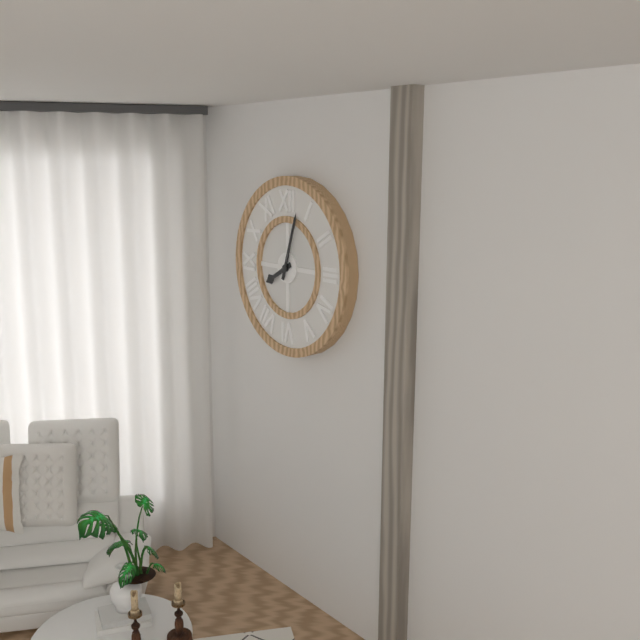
8:03
